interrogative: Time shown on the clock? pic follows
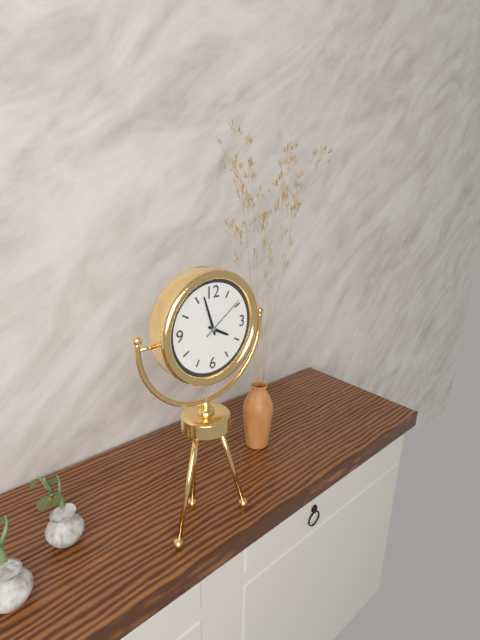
3:57
